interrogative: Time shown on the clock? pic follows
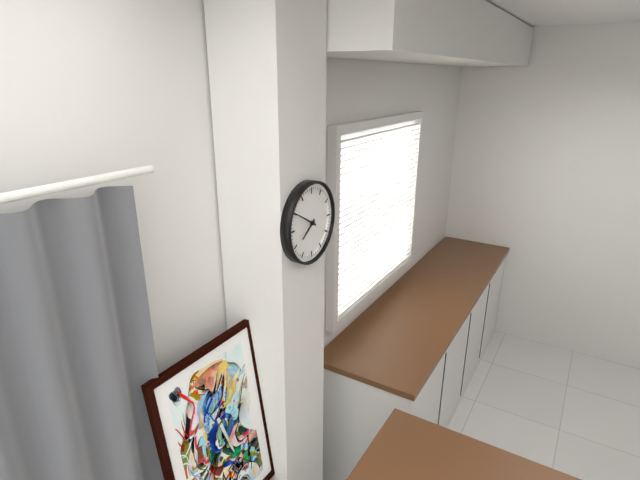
7:50
